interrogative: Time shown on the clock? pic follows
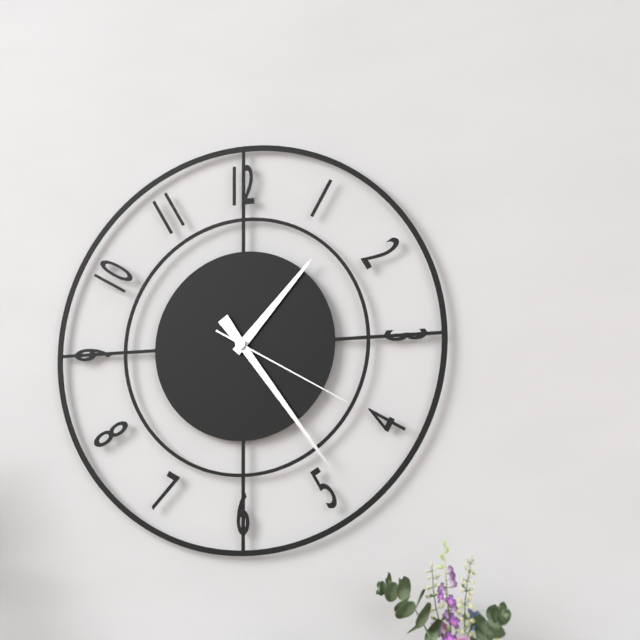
1:24:20
